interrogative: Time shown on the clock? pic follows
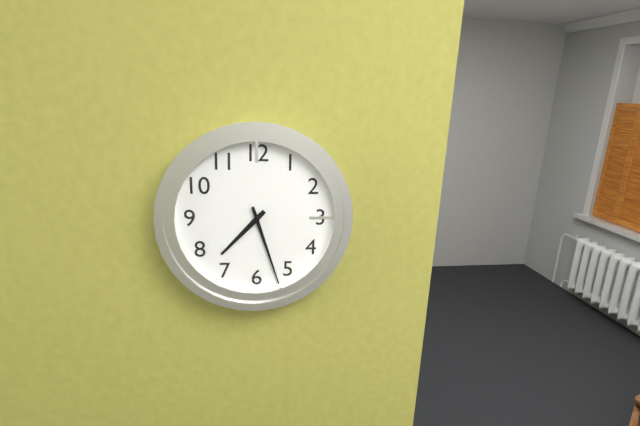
7:27
